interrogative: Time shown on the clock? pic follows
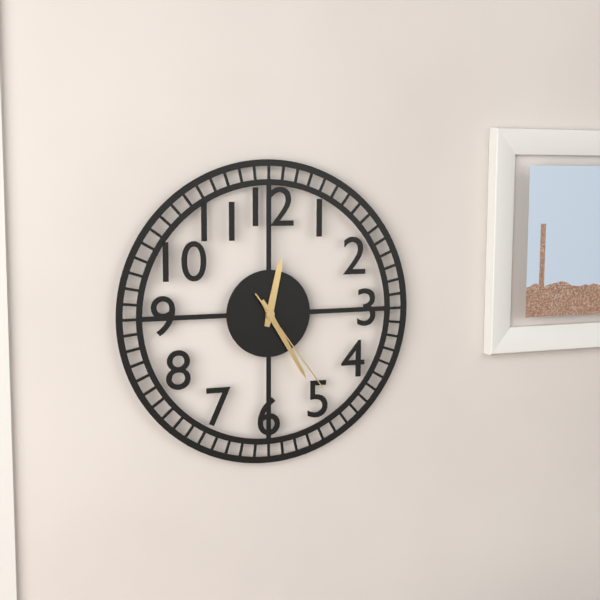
12:25:24
